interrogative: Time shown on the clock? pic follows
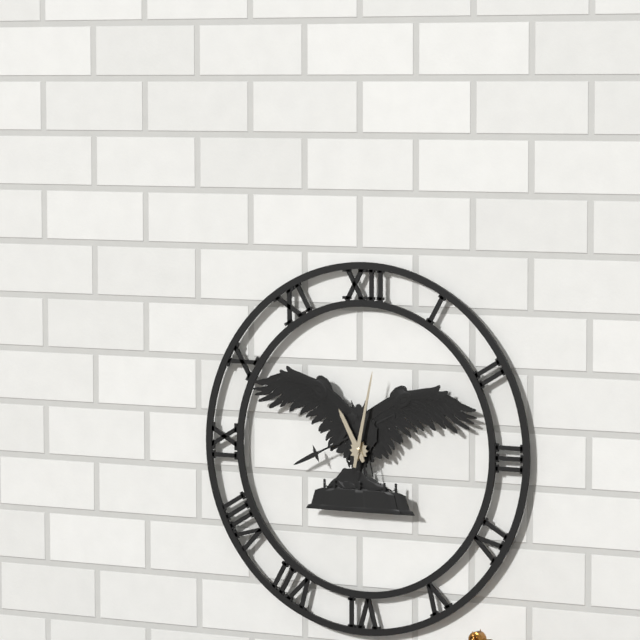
11:02
